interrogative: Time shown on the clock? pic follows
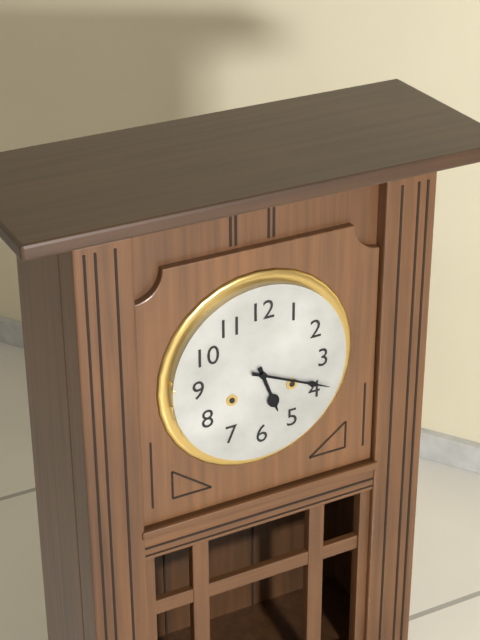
5:19
